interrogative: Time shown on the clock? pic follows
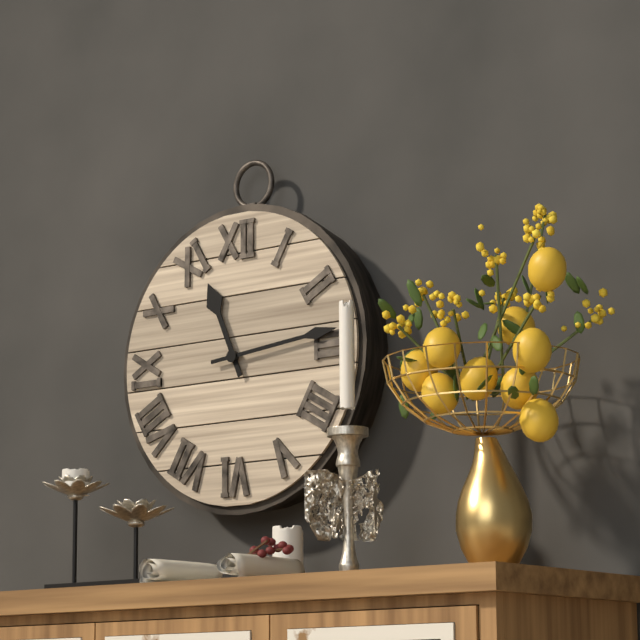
11:14
